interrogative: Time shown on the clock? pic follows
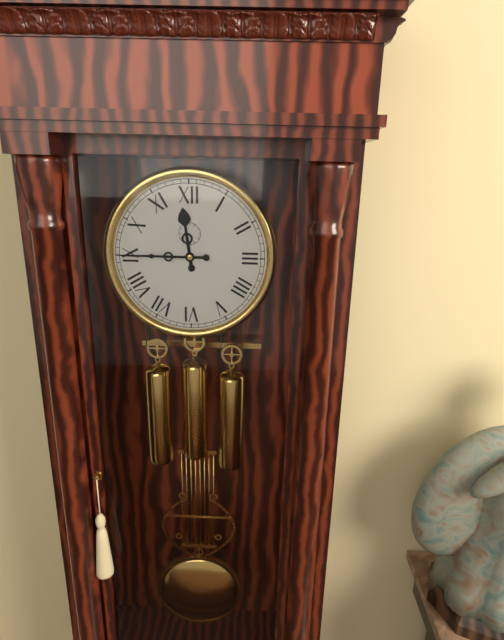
11:45
